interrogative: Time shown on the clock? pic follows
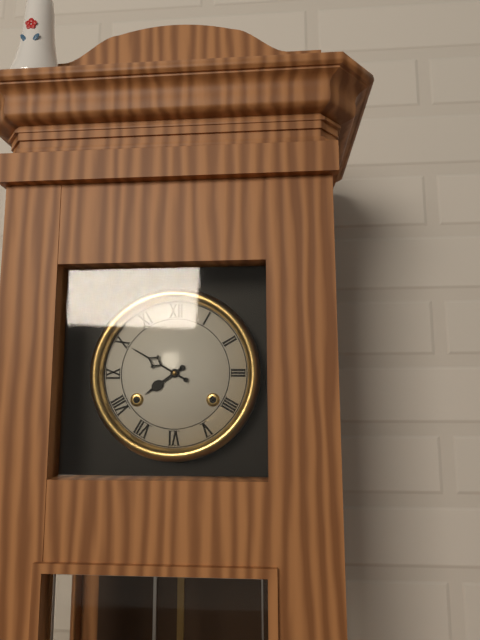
7:50
